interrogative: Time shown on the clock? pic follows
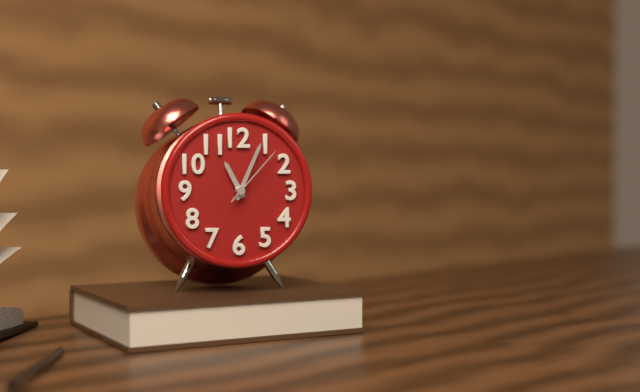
11:04:07
